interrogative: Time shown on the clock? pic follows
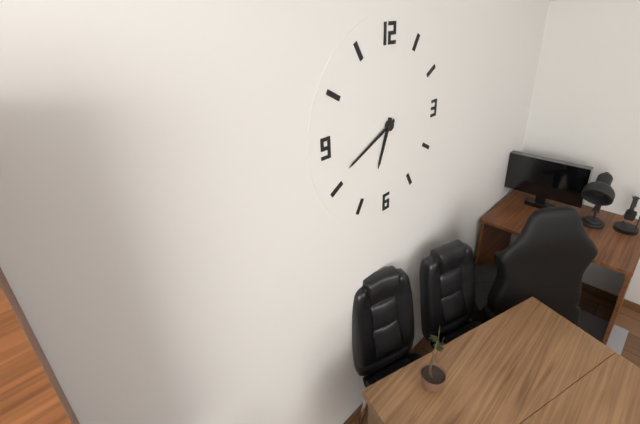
6:41
